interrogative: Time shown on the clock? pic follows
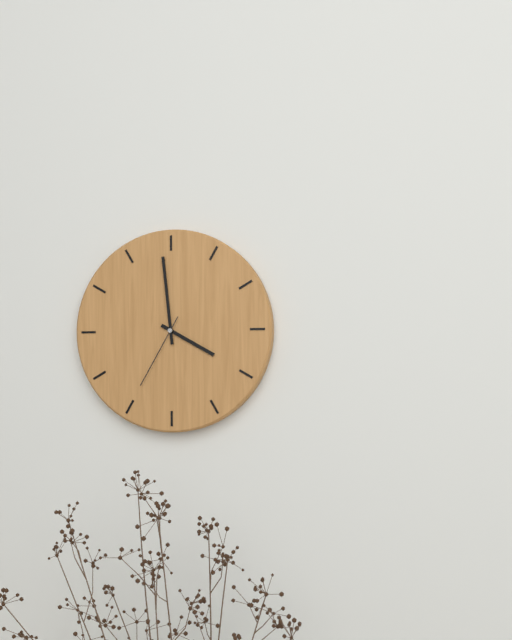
3:59:35
